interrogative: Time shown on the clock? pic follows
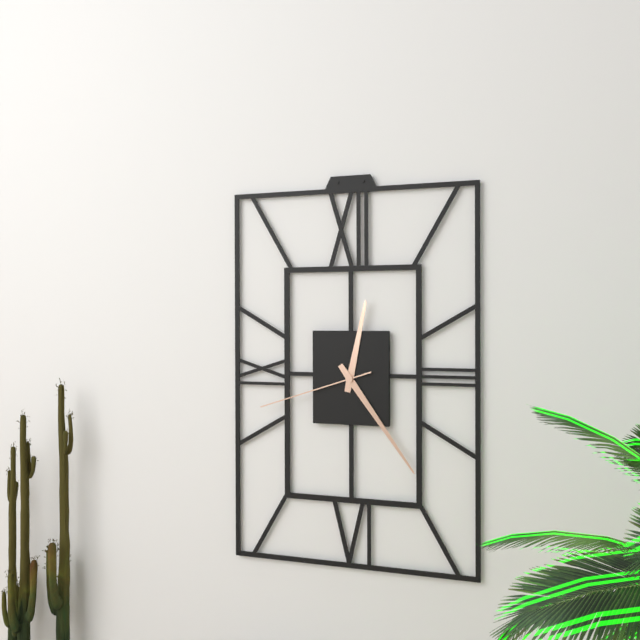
12:24:42
